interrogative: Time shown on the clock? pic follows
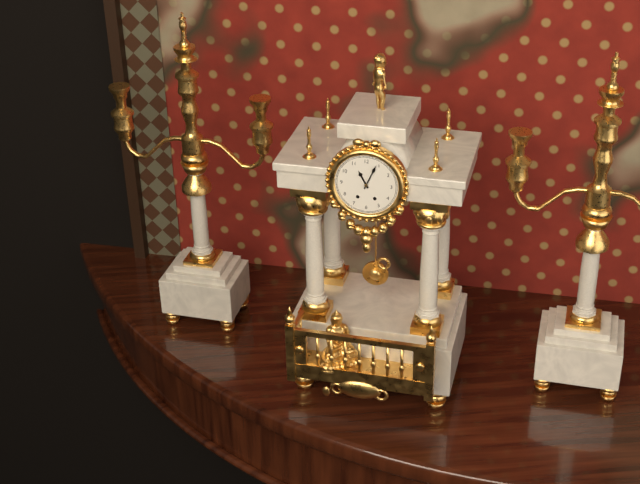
11:04
